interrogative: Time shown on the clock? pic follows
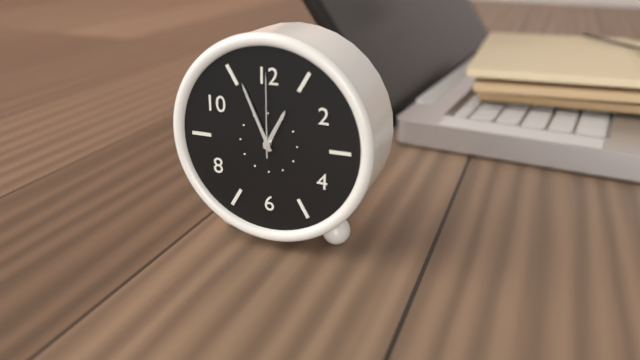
12:56:00
